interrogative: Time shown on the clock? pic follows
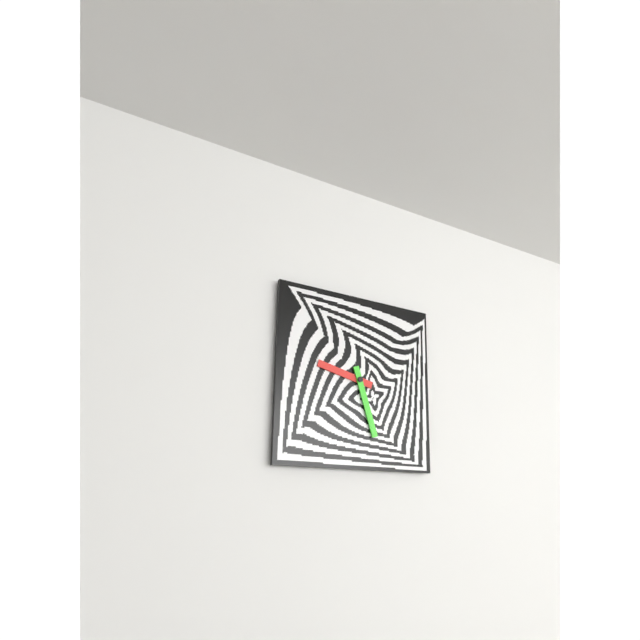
9:27
